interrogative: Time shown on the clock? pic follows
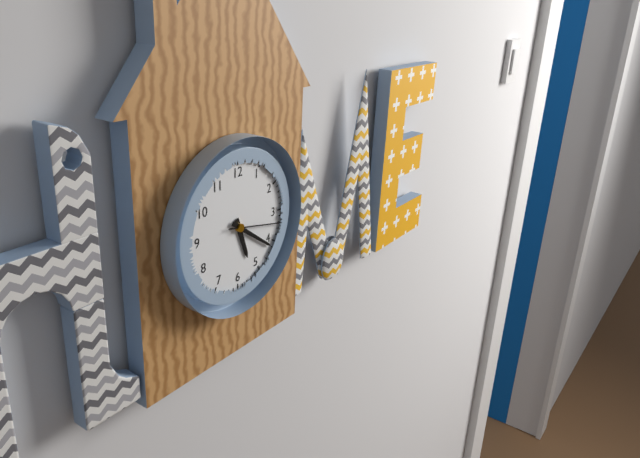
5:21:17
